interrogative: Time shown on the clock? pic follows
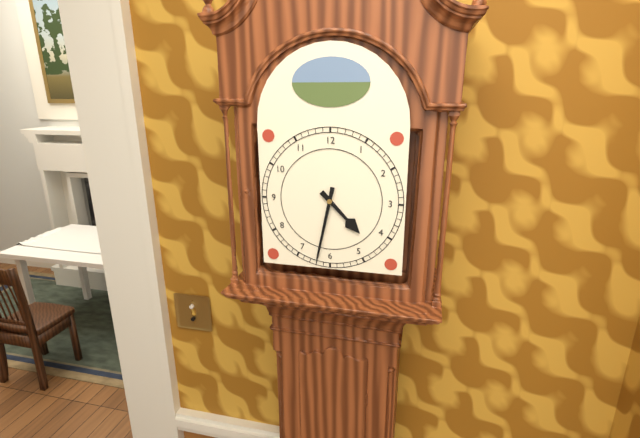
4:32
